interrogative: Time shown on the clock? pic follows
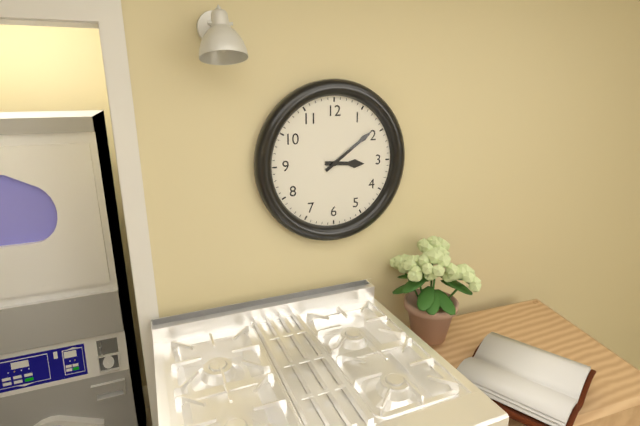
3:09
